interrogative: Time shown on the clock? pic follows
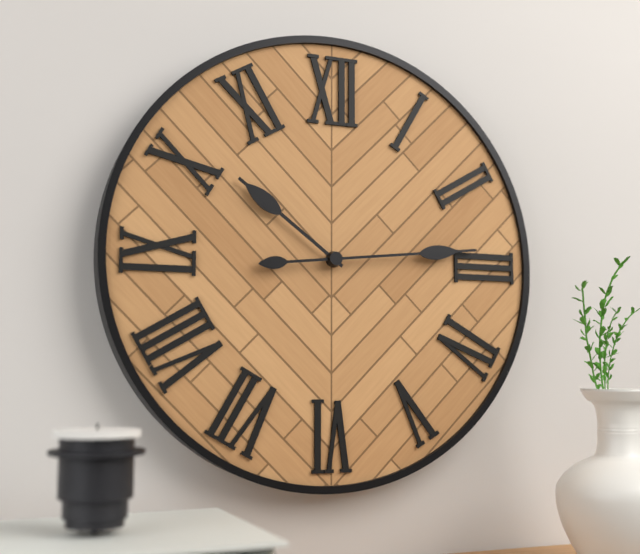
10:14
